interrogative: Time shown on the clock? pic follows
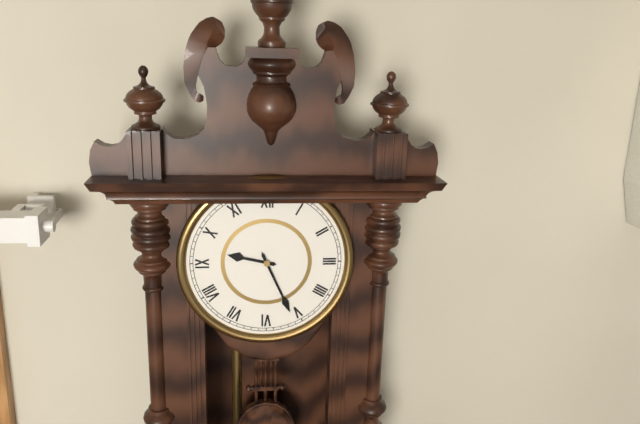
9:26
